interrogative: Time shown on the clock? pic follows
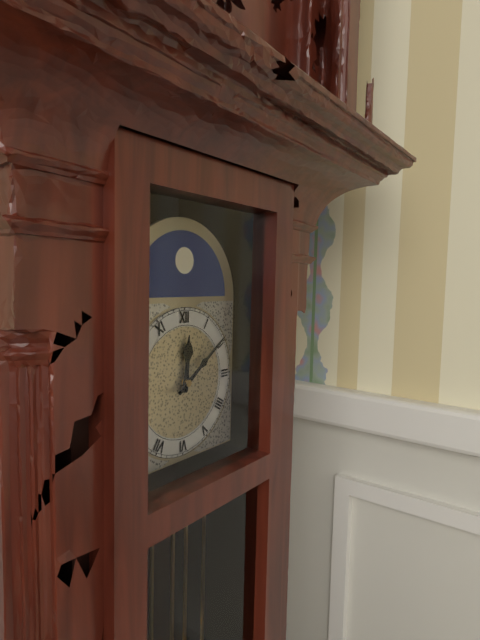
12:09
